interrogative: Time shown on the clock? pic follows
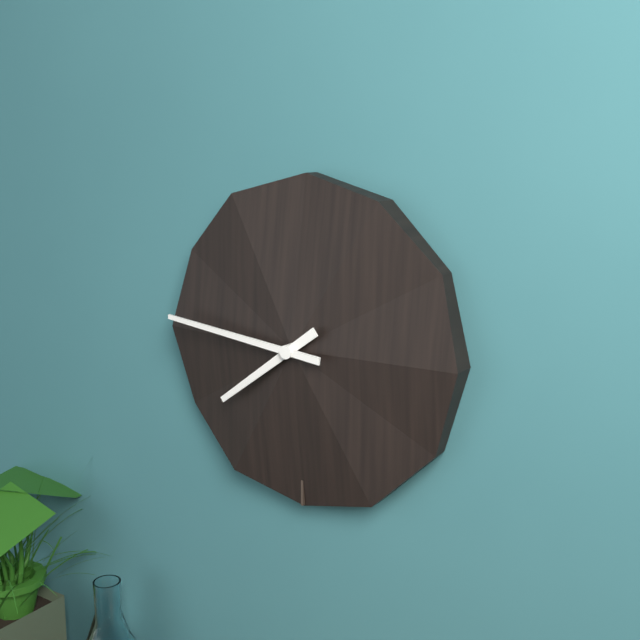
7:46
